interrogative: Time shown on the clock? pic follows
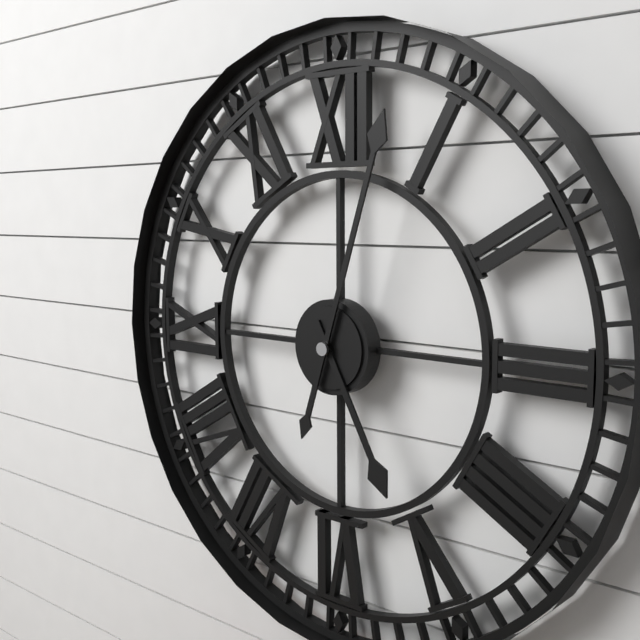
5:03
